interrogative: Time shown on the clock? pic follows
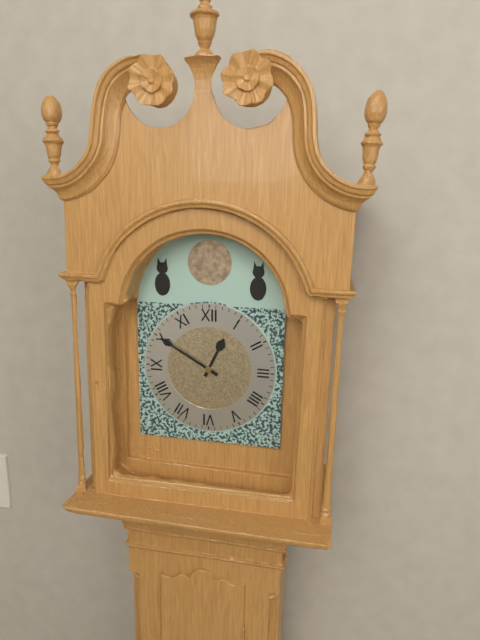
12:50
